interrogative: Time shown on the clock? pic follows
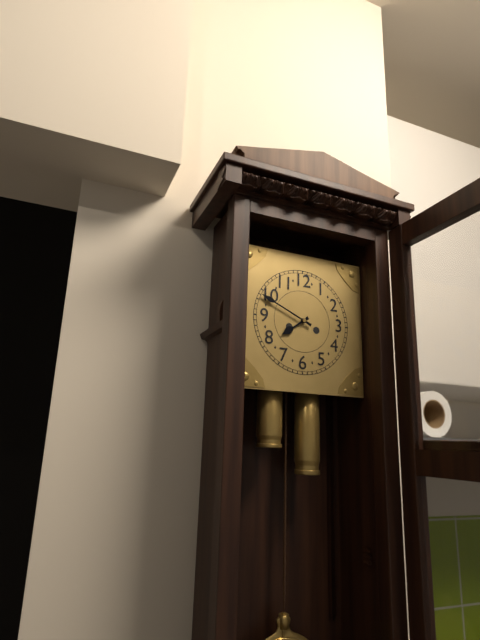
7:49
